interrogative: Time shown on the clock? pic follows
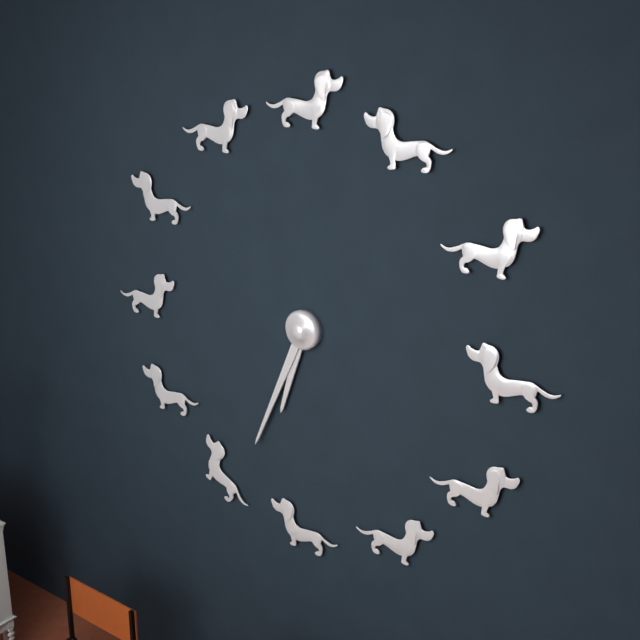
6:34
